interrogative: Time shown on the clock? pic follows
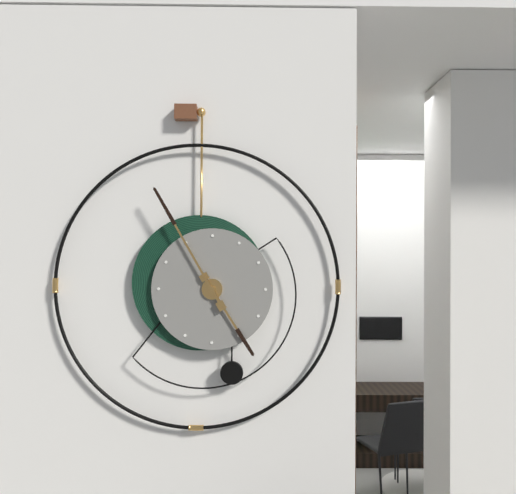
4:55
